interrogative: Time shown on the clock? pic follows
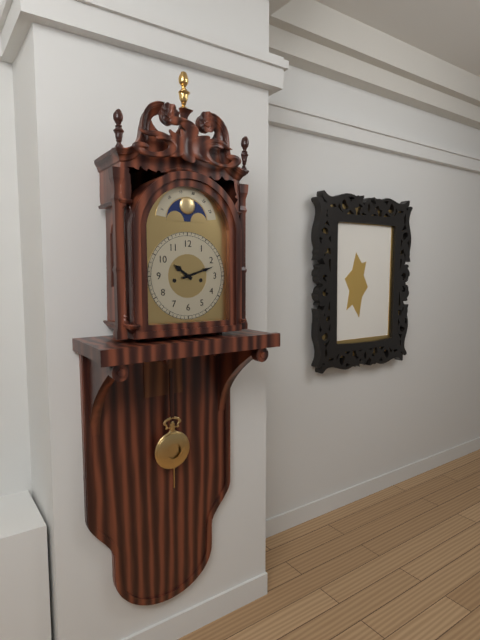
10:12
